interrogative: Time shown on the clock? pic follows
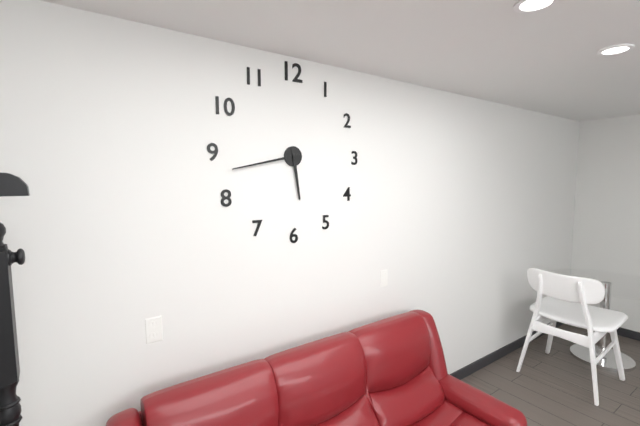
5:43
